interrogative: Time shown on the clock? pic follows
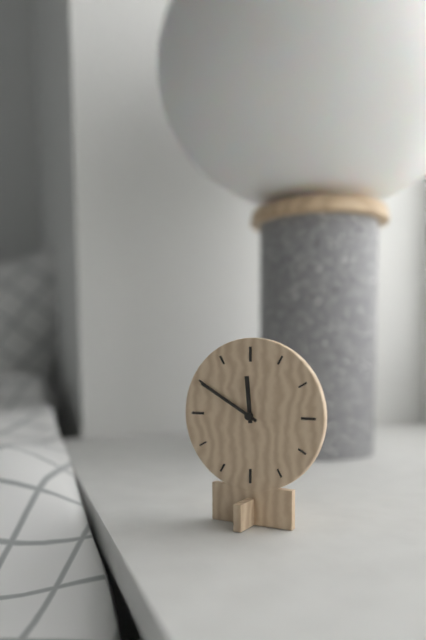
11:50
